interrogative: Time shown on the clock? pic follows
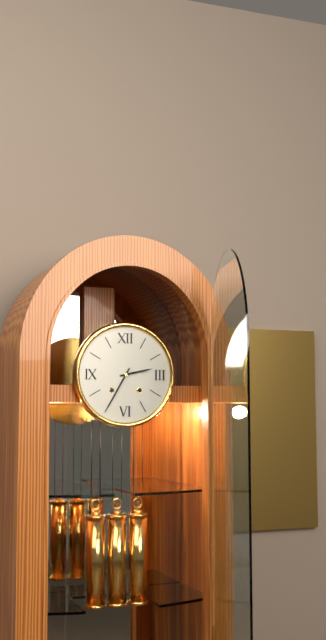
2:35
